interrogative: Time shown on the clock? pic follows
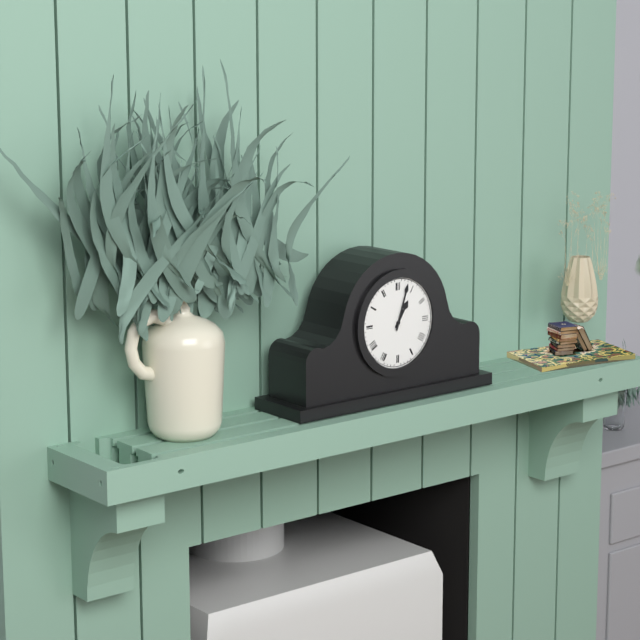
1:03
